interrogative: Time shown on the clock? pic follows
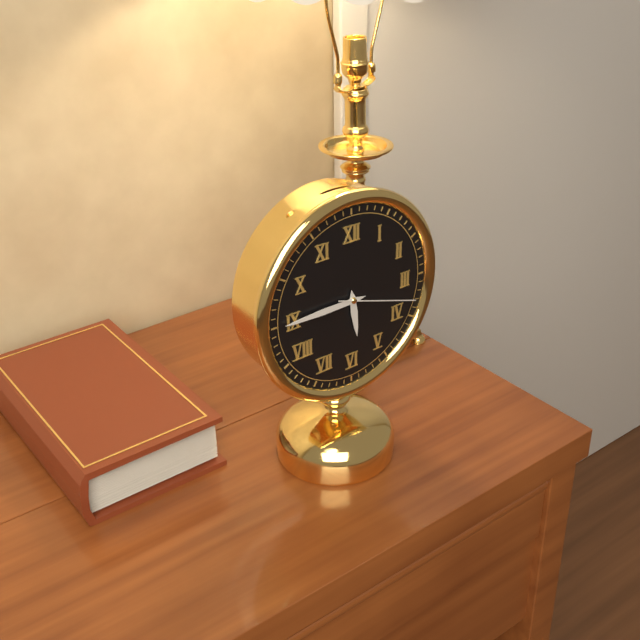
5:45:18
